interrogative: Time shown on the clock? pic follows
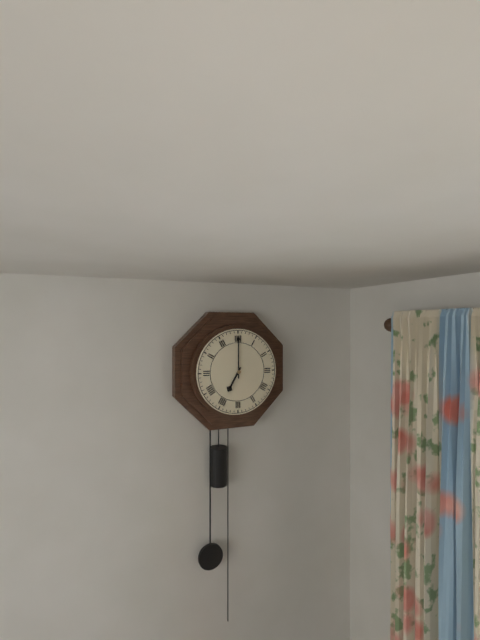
7:00
